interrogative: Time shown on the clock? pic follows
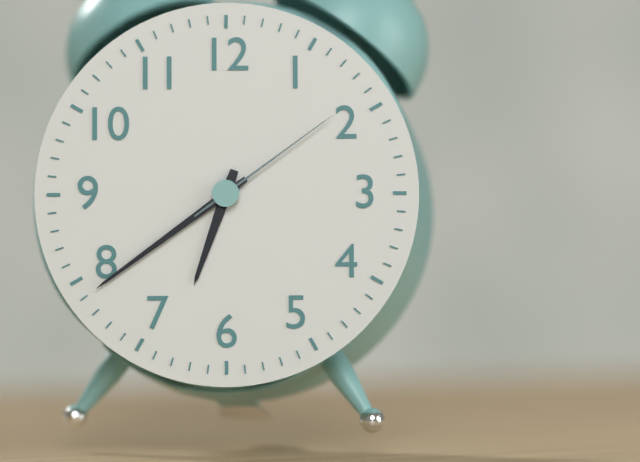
6:39:09
